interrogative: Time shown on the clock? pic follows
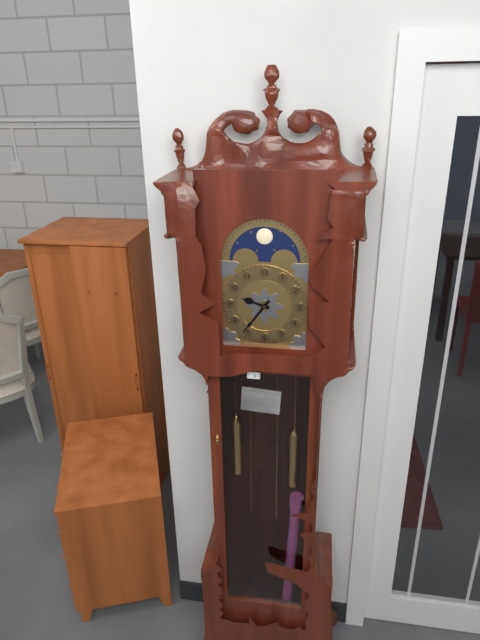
9:36
